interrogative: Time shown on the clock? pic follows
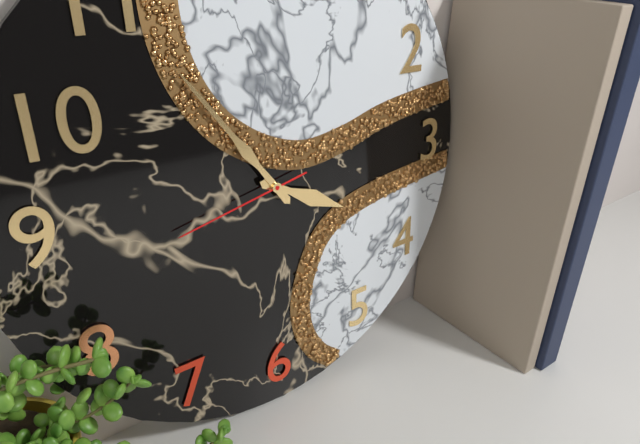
3:54:43
